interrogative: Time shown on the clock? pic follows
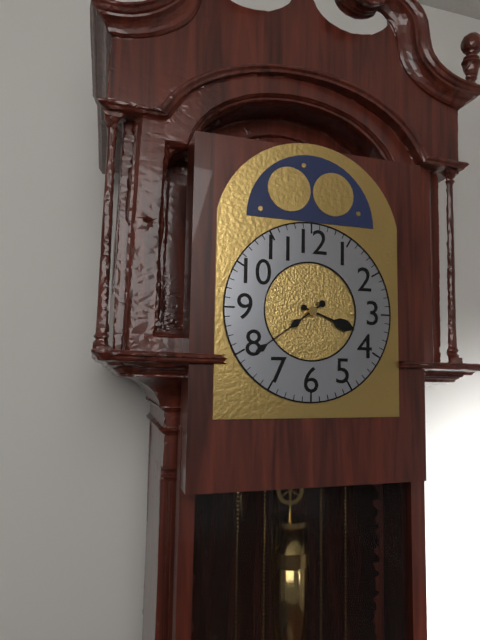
3:39
